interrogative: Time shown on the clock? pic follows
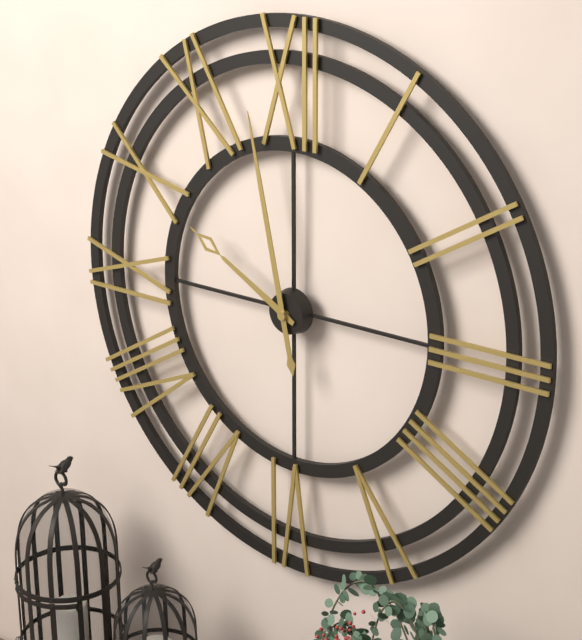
9:58
